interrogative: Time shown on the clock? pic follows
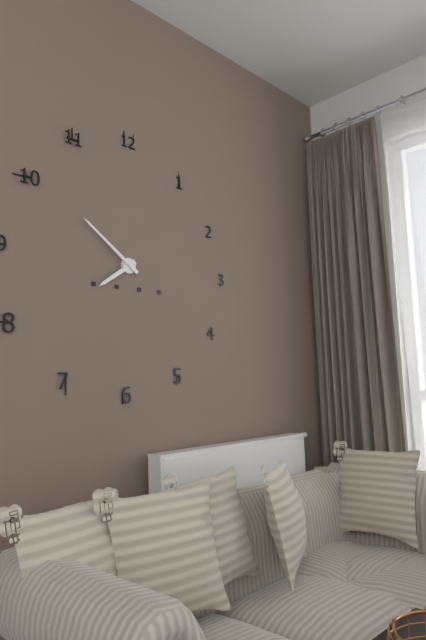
7:51
